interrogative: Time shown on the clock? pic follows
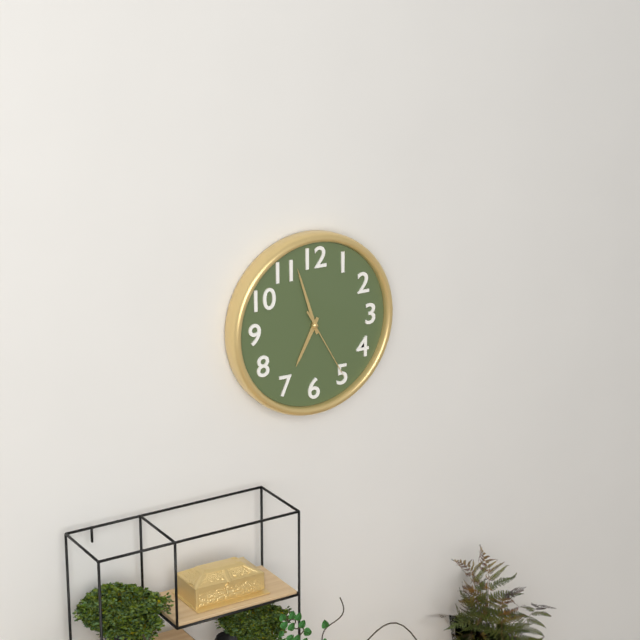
6:57:25
